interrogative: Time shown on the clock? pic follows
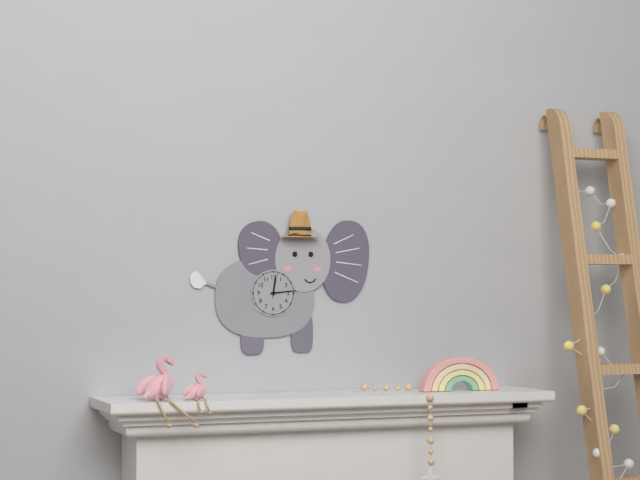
12:14
